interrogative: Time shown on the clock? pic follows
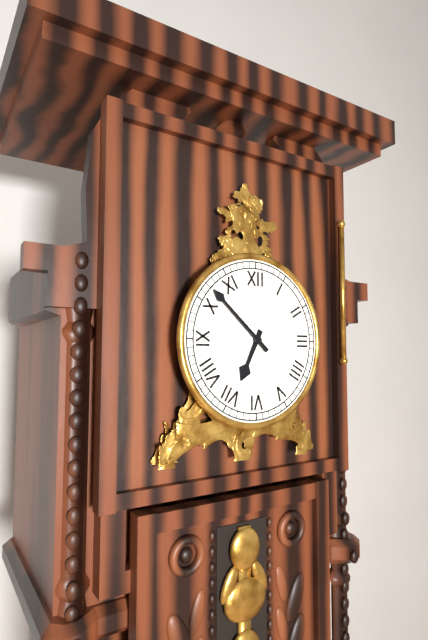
6:52
